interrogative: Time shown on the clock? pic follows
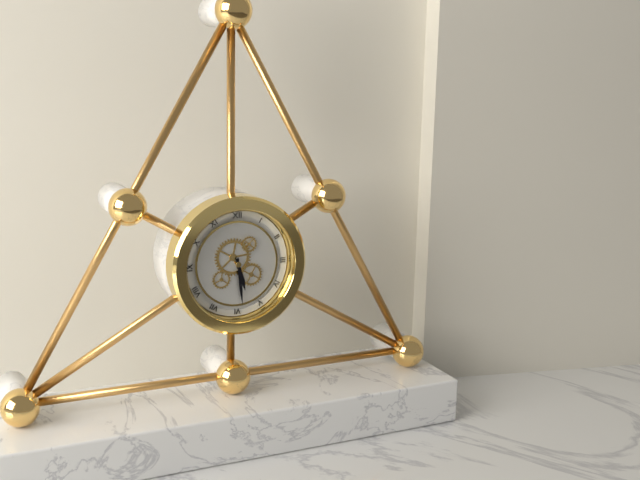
5:29
